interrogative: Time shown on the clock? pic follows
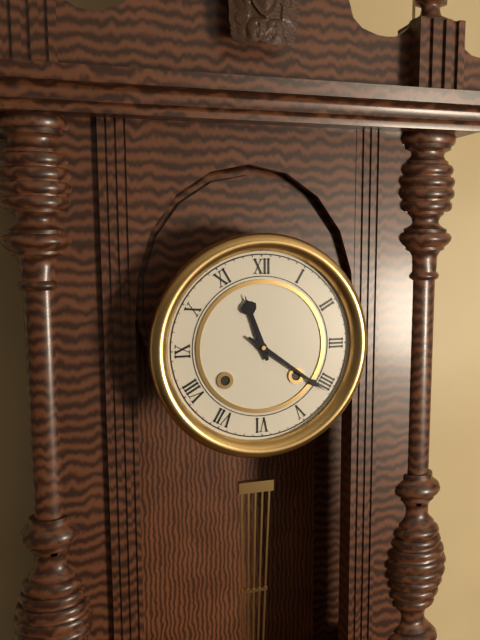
11:21
